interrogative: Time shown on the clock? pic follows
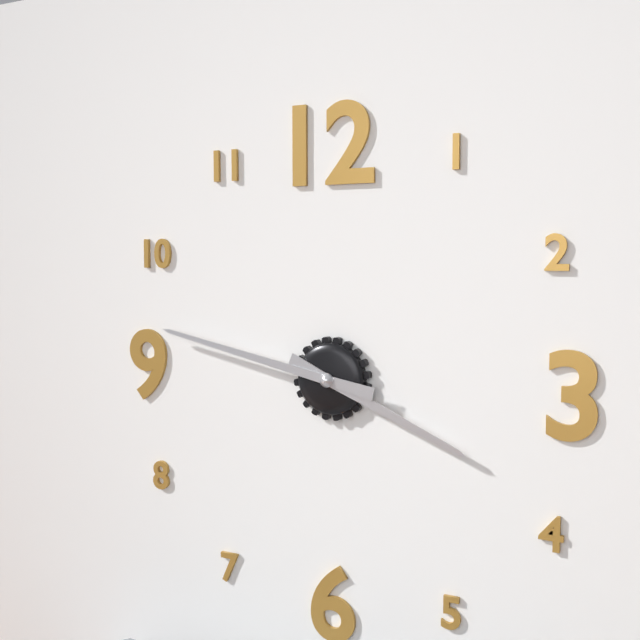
3:47
